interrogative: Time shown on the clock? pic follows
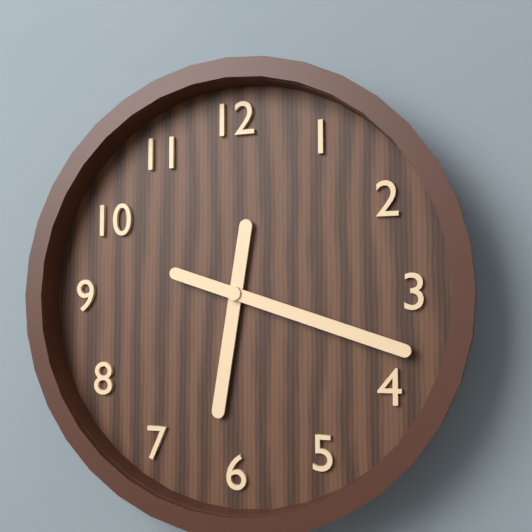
6:18
